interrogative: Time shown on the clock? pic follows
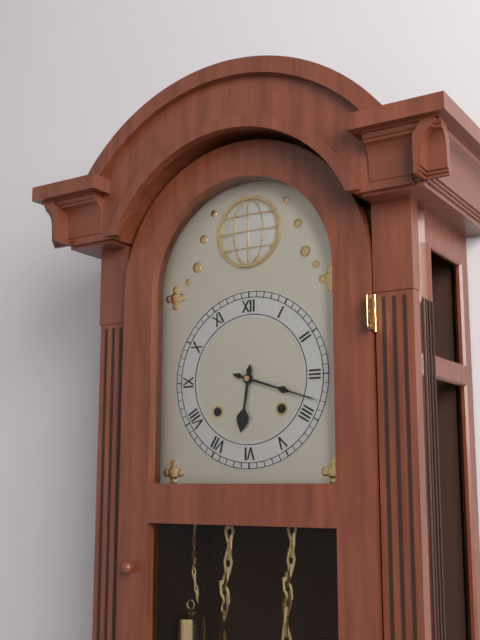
6:18
